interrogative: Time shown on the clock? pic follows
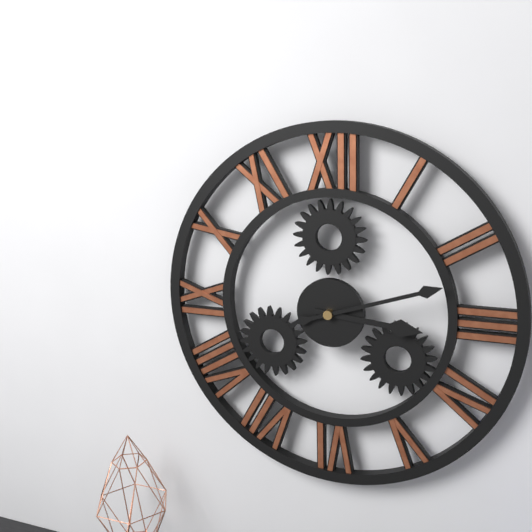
3:12
